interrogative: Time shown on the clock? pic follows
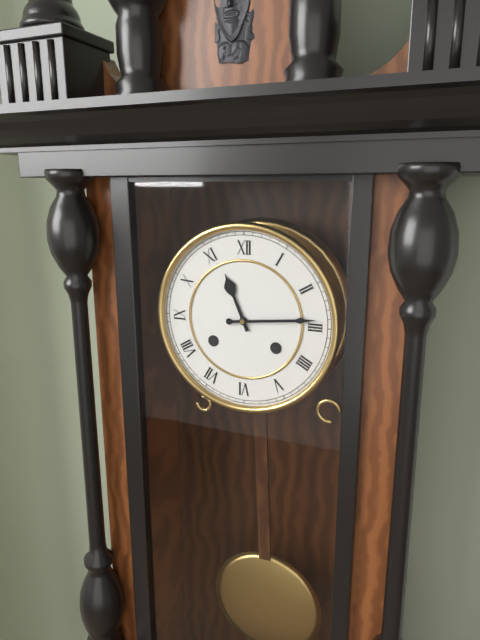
11:14
